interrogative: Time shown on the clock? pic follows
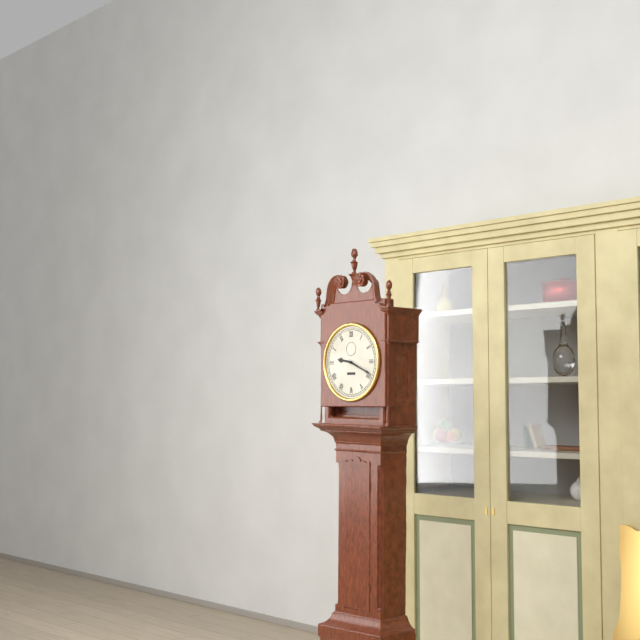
9:19
